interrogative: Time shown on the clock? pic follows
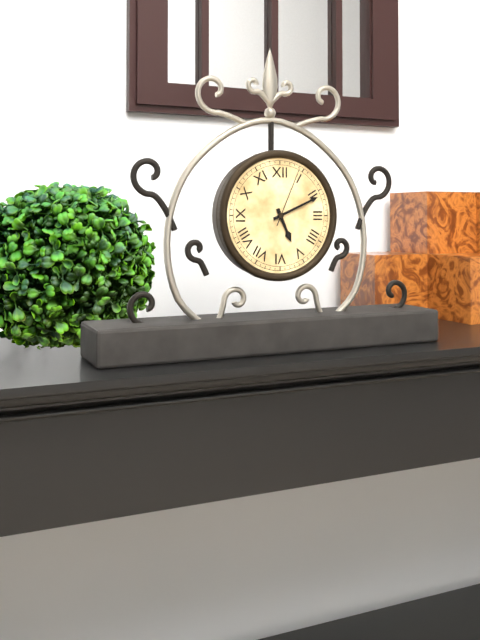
5:11:04
